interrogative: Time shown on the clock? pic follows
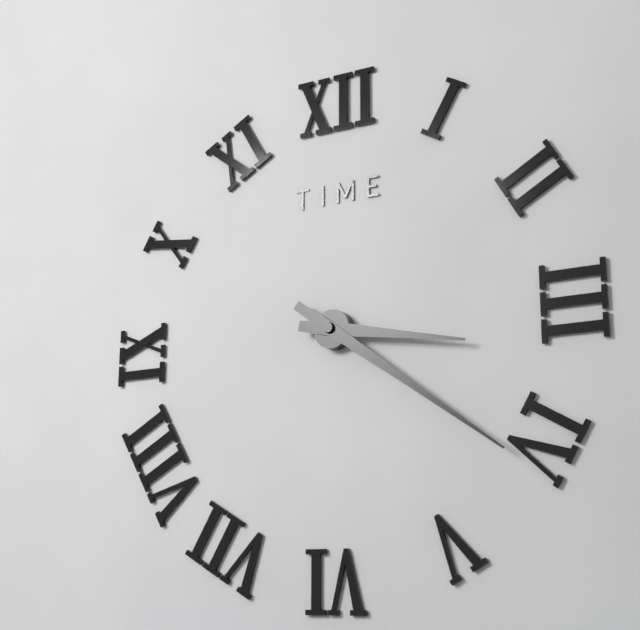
3:21
